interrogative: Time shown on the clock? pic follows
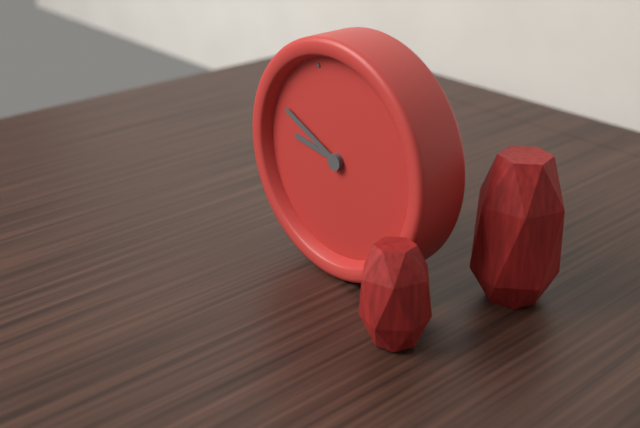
9:52
